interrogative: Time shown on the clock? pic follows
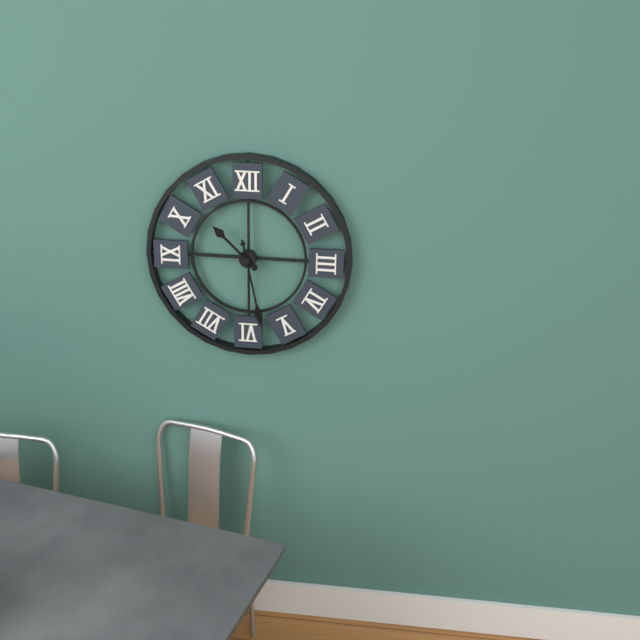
10:28
